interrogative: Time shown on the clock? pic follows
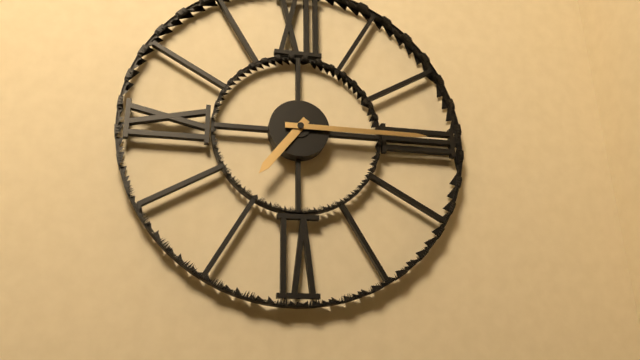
7:15
